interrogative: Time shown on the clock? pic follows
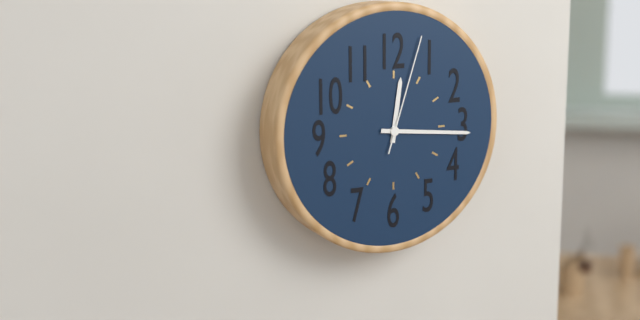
12:16:03
